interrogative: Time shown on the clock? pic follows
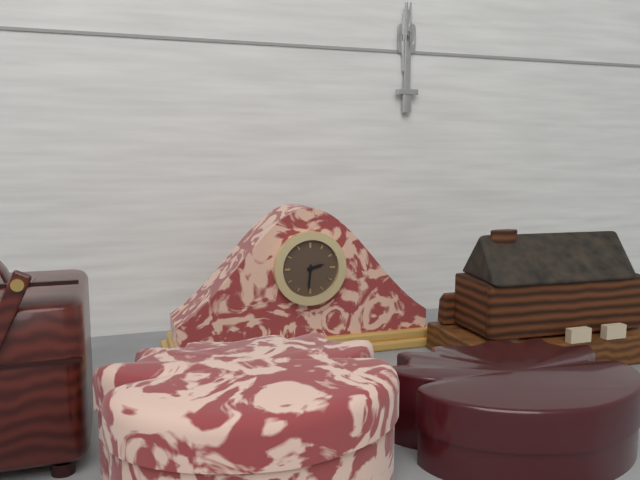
2:31
